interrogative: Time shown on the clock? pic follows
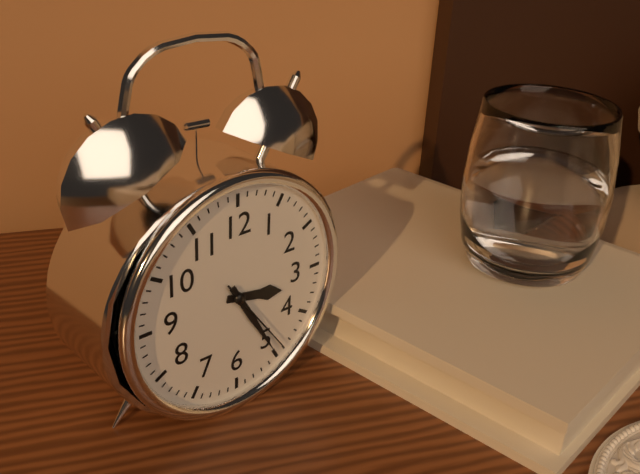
3:25:24
